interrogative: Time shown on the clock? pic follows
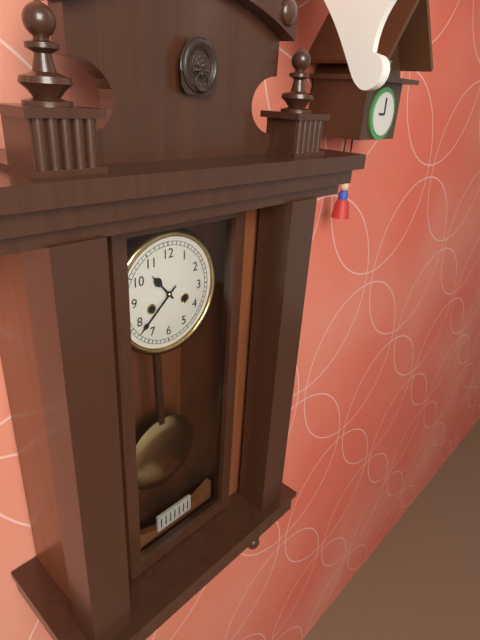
10:38
